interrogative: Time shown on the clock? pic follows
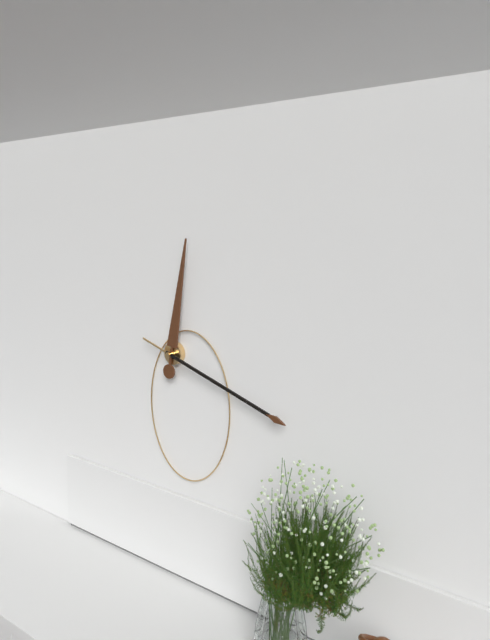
12:18
